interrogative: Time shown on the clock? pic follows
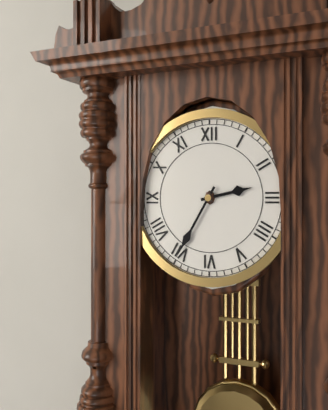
2:35
